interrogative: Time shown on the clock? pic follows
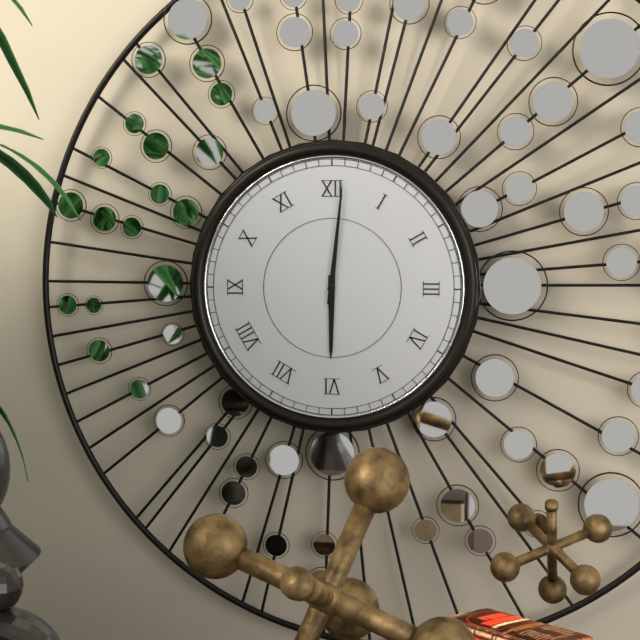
6:01
